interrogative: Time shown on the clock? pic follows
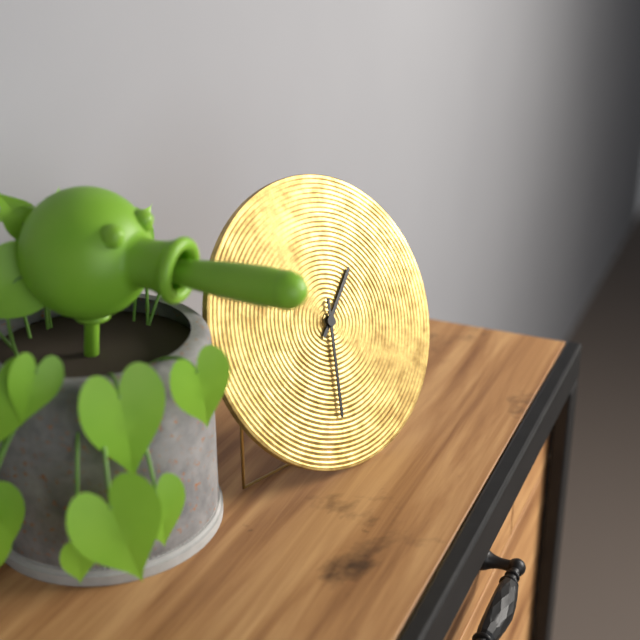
1:32
